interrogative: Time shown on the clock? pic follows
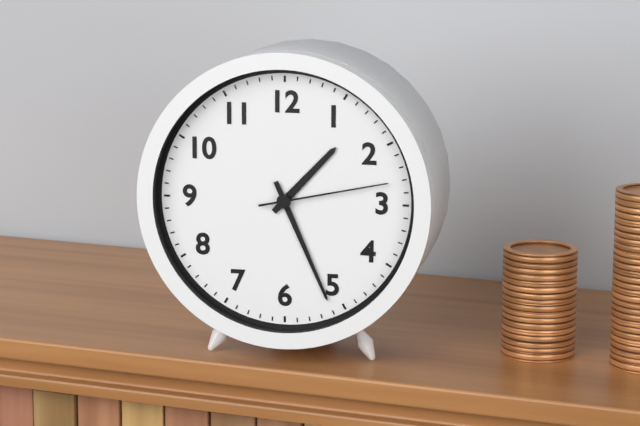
1:26:13
